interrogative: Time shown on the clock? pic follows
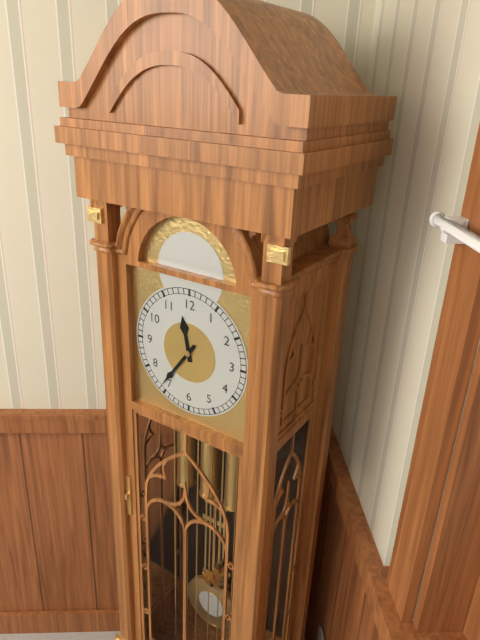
11:36
